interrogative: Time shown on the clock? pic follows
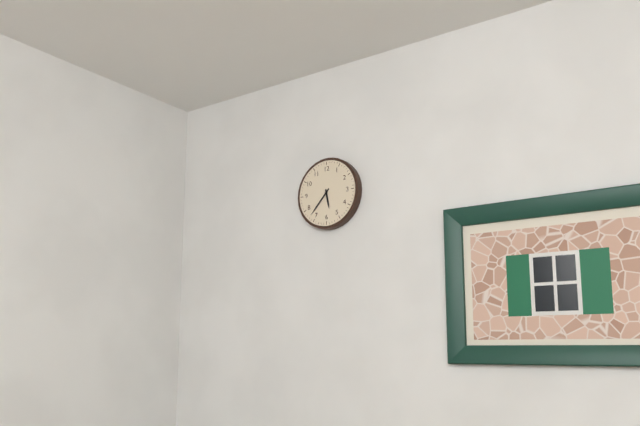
5:37
